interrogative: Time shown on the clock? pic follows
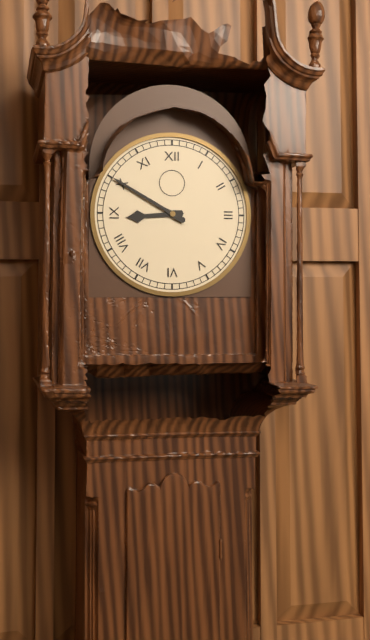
8:50
